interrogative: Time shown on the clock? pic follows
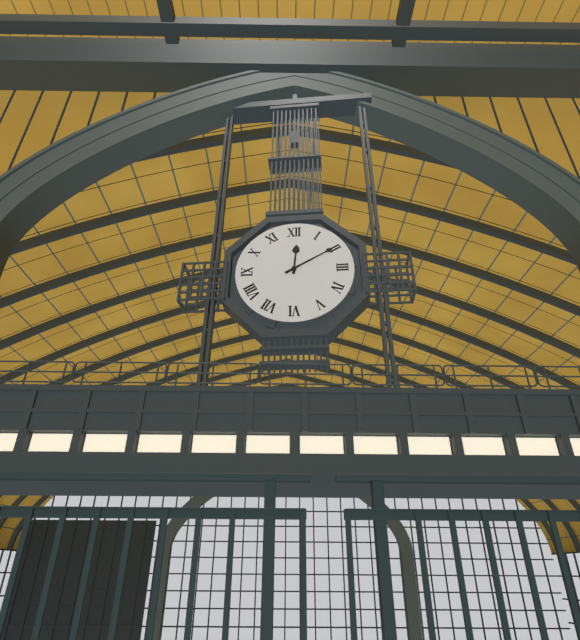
12:10
